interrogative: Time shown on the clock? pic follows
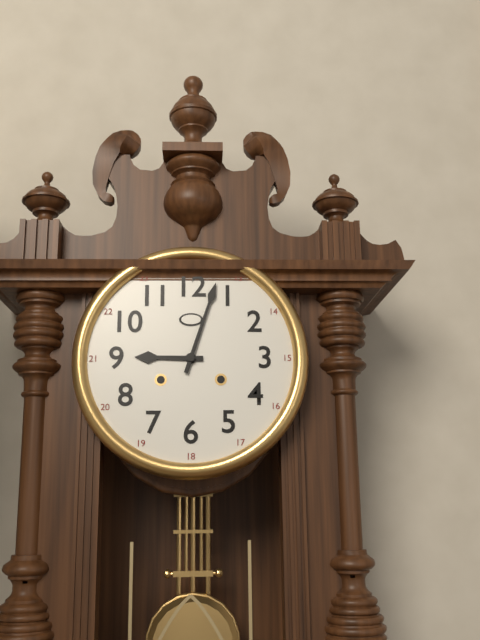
9:03
